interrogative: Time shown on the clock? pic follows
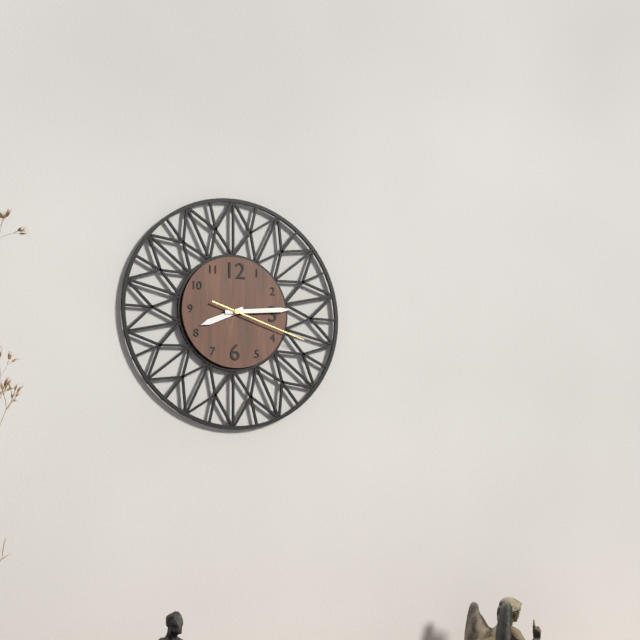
8:14:18
